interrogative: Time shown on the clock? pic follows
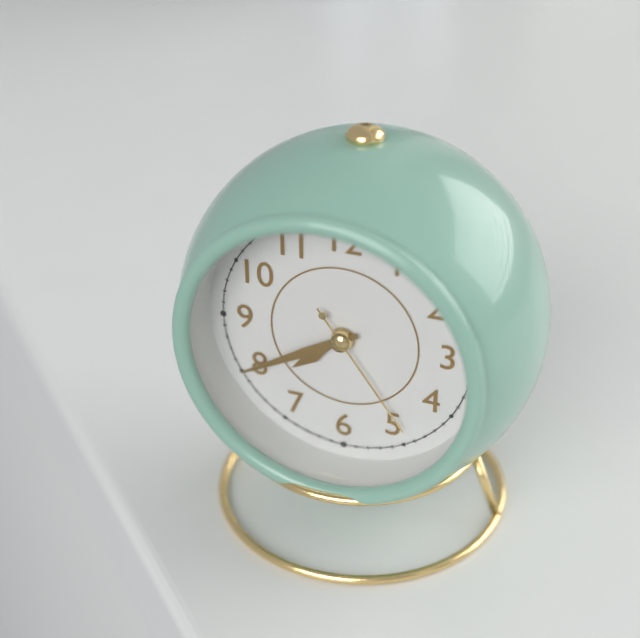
7:40:24
